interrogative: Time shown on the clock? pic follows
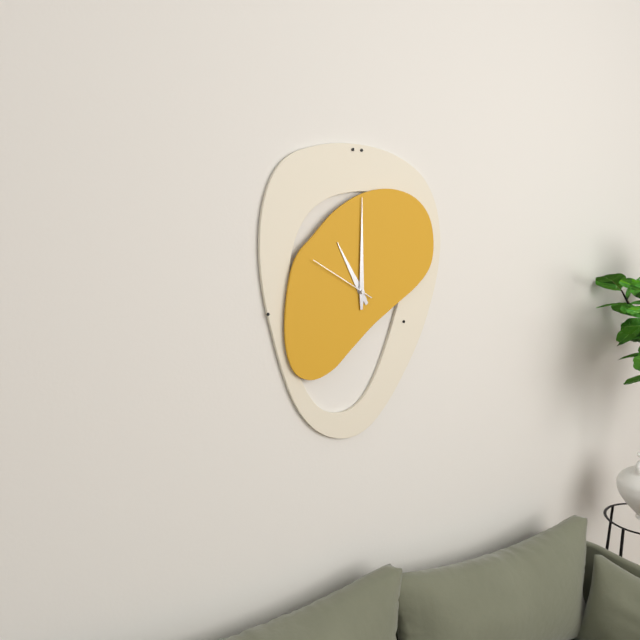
11:00:50
